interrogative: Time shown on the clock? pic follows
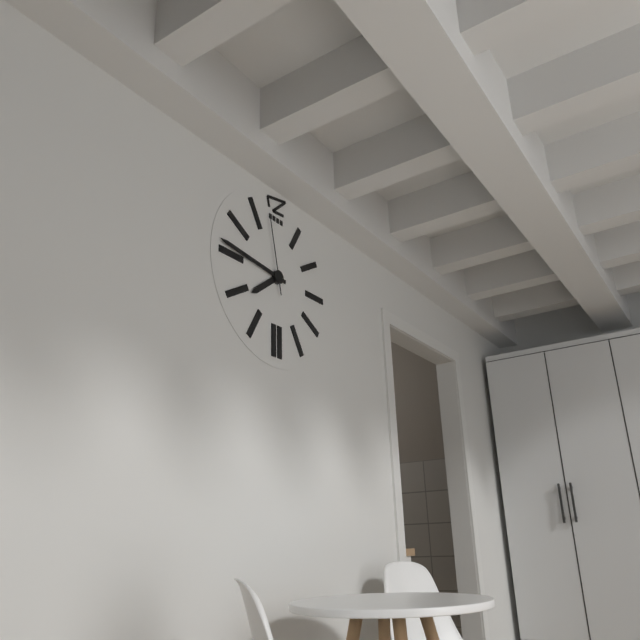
7:46:58
